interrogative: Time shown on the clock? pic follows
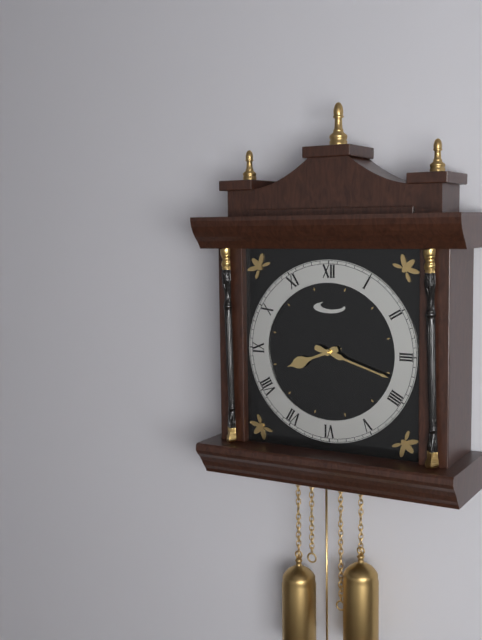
8:18
